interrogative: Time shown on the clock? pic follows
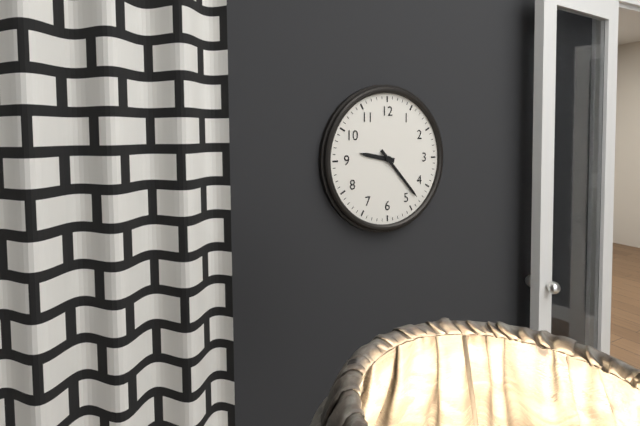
9:23
